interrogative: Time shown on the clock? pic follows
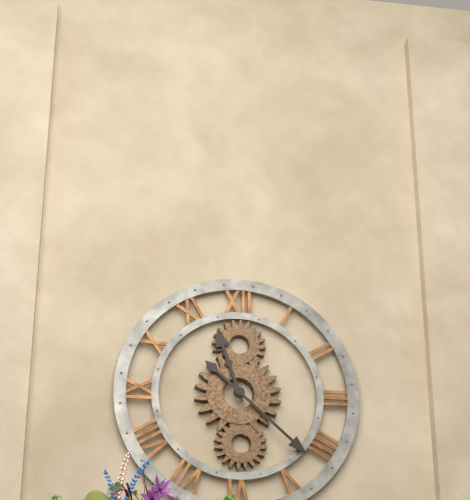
11:22
